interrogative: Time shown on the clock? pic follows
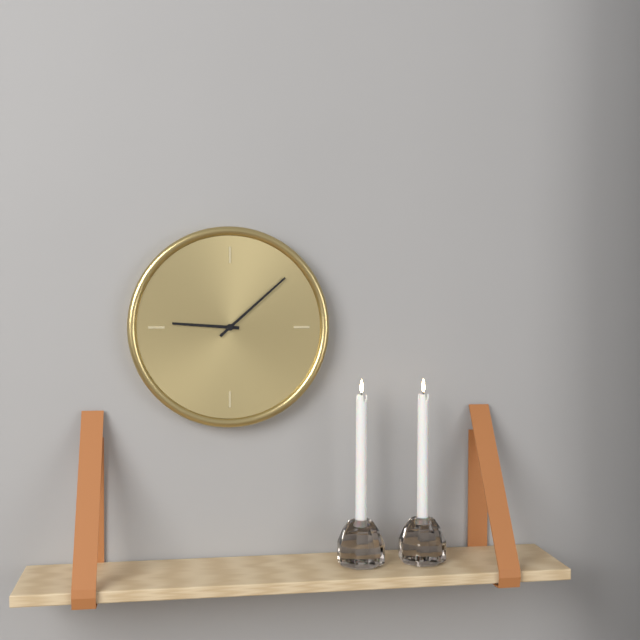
9:08
